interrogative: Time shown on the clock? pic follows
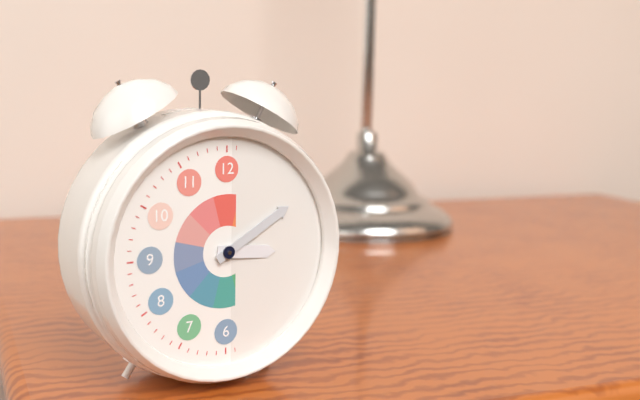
3:10
